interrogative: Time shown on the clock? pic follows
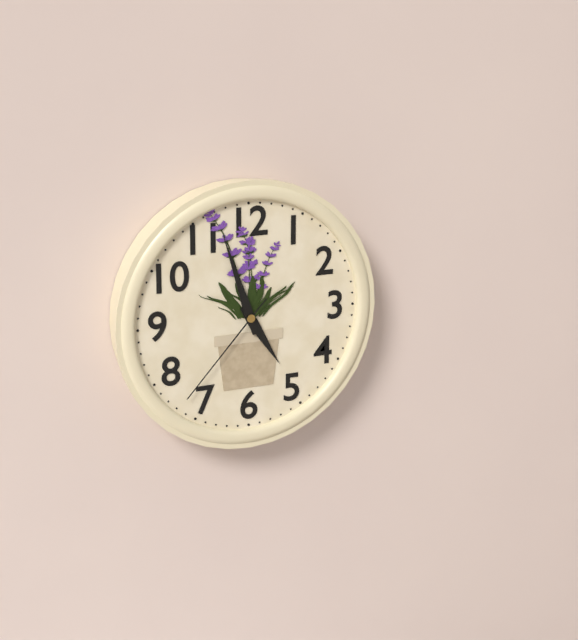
4:57:37
